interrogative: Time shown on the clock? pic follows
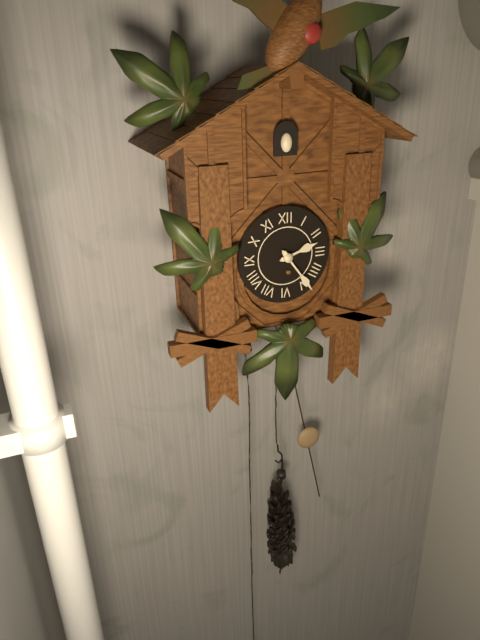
2:24
